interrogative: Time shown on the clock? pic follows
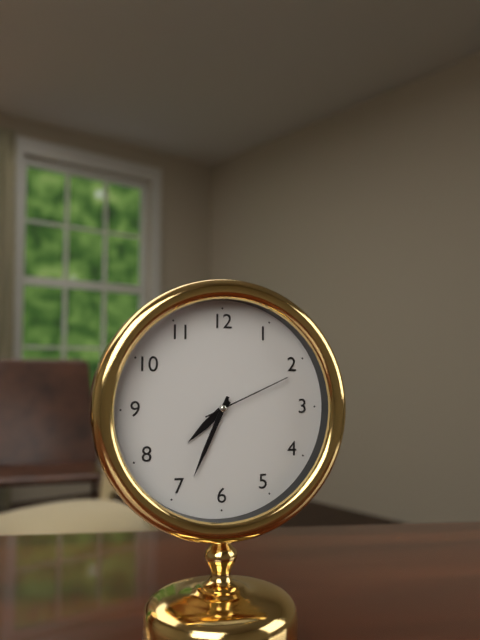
7:34:11
